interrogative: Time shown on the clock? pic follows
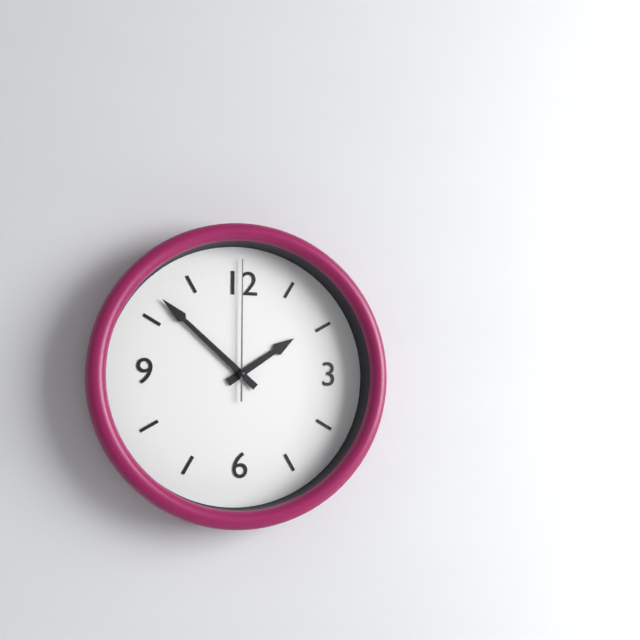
1:52:00
